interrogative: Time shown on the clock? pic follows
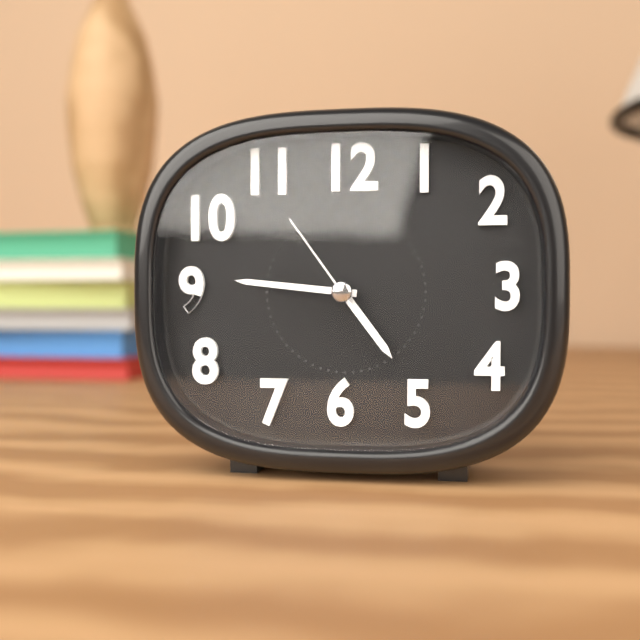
4:46:54
